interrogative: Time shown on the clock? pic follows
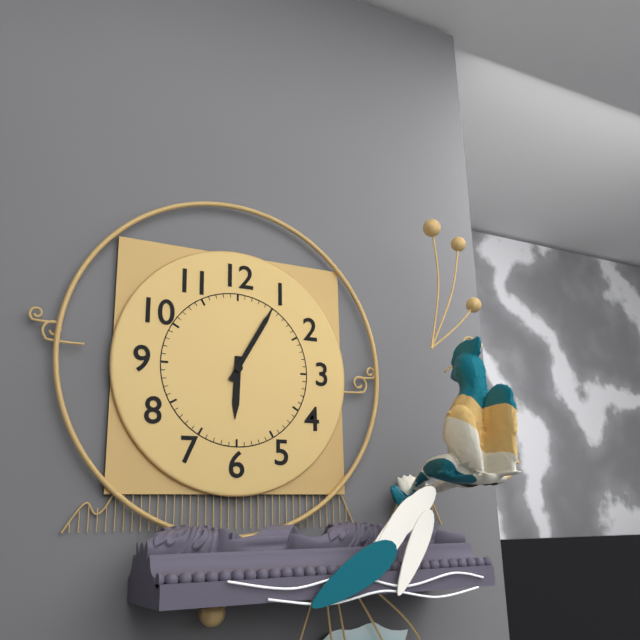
6:05
